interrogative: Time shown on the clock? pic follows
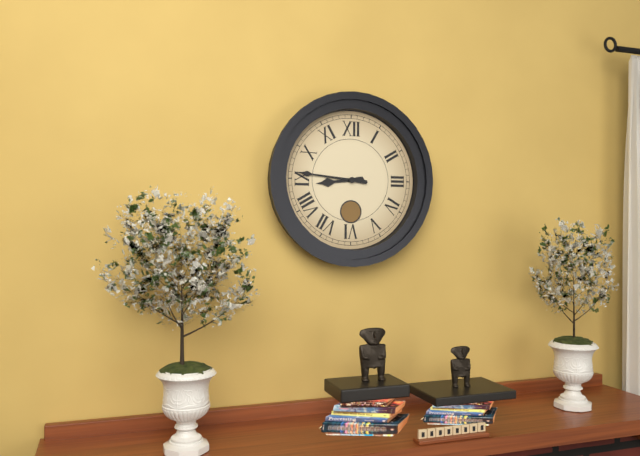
8:46
